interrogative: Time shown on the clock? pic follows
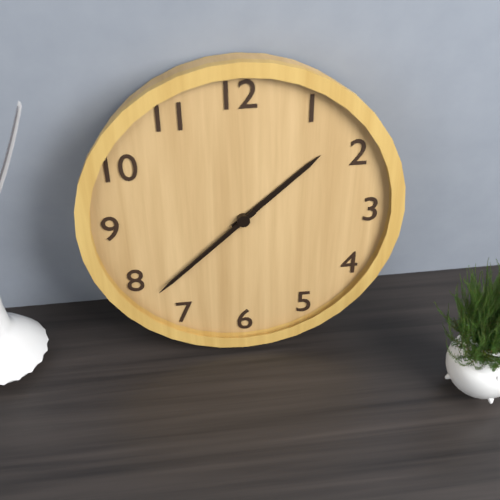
1:38
